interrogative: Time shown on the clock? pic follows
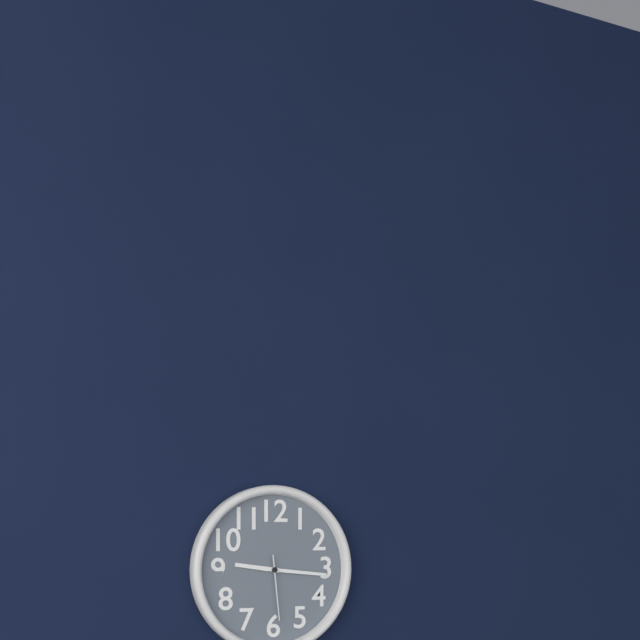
9:16:29
